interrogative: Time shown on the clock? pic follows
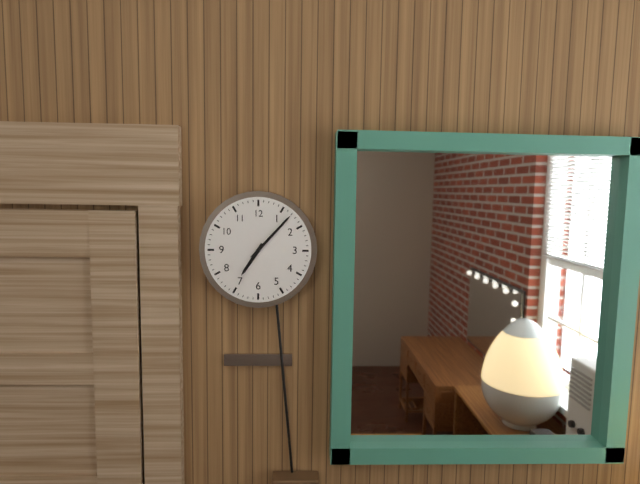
7:07
